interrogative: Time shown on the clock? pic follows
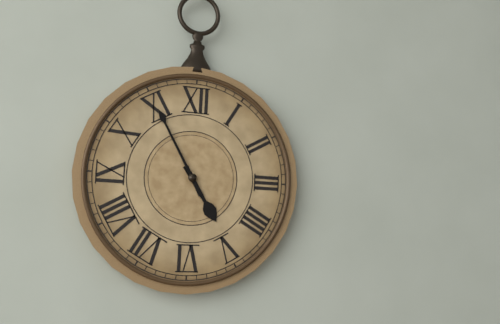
4:55
